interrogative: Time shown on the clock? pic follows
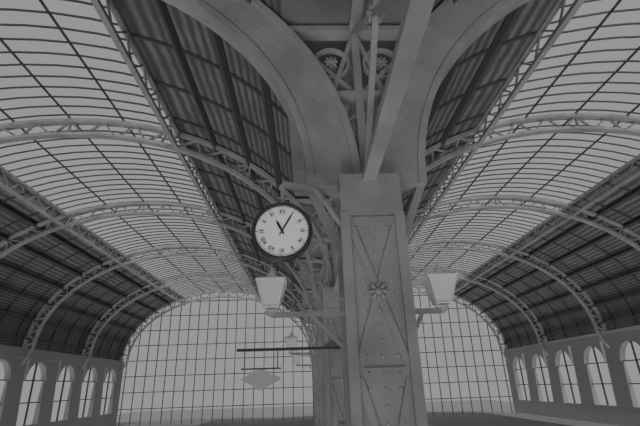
11:05
